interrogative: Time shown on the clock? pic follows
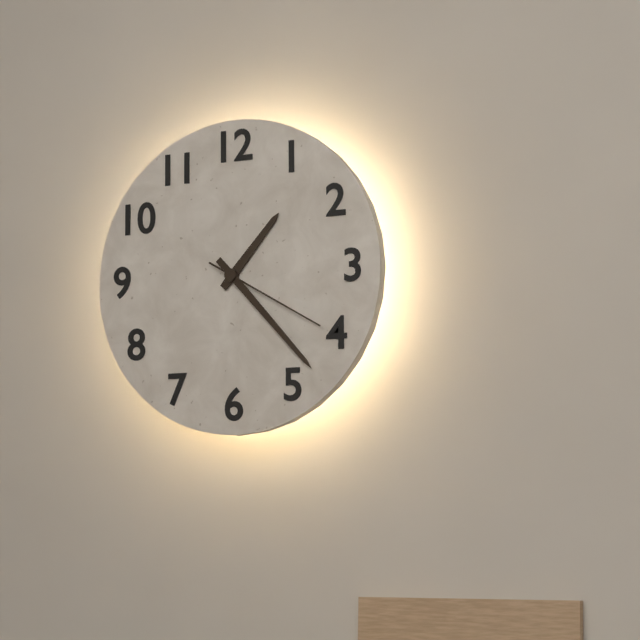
1:23:20
